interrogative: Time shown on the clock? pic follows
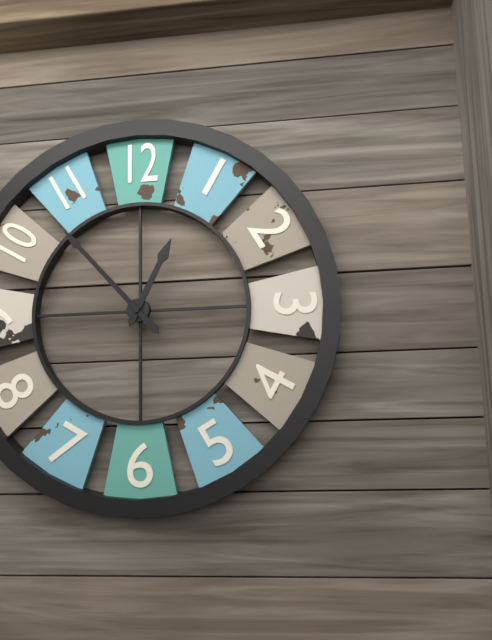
12:53
